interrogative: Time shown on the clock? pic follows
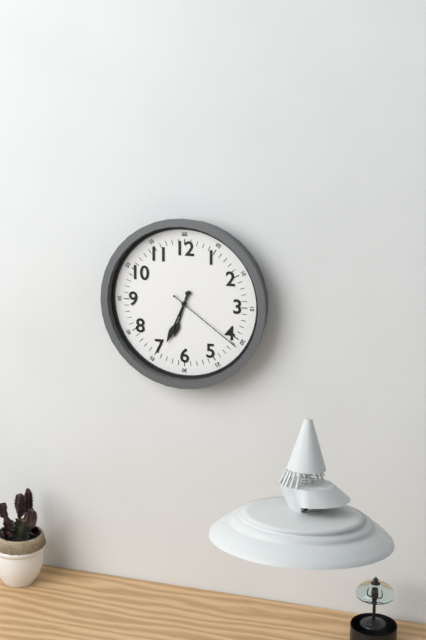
6:34:21
